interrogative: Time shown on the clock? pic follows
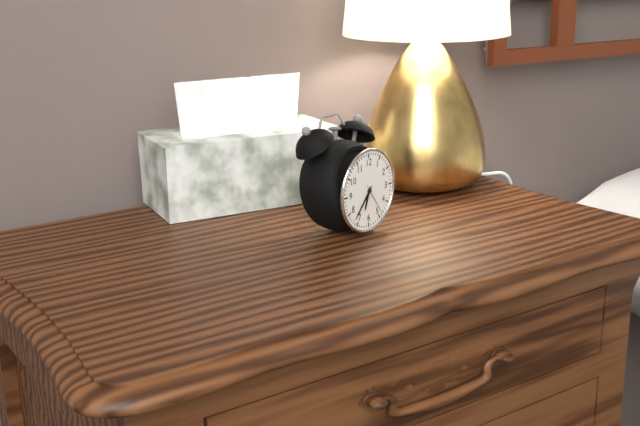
6:37
